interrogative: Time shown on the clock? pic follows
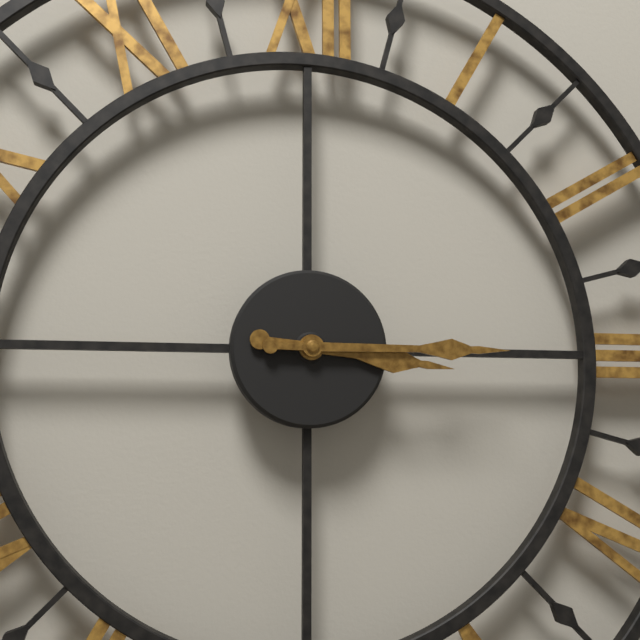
3:15
